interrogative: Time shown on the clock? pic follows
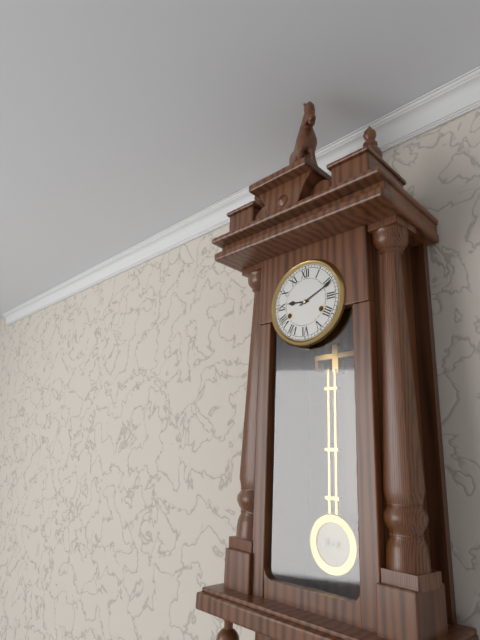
9:11
